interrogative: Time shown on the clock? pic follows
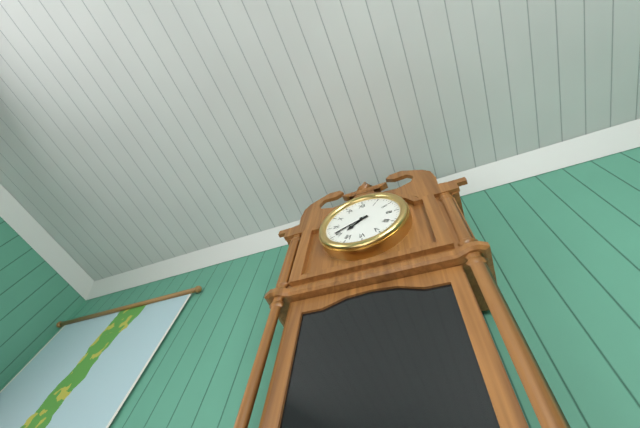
7:41
